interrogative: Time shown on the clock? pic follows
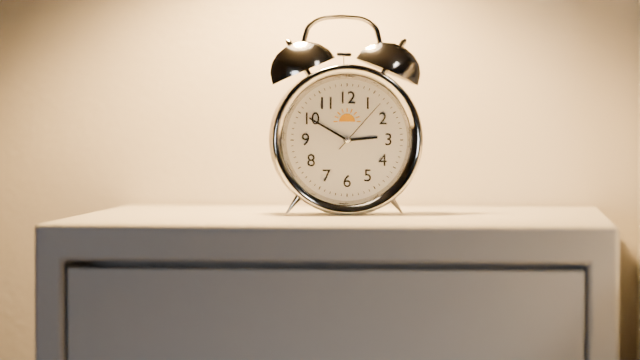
2:50:07
